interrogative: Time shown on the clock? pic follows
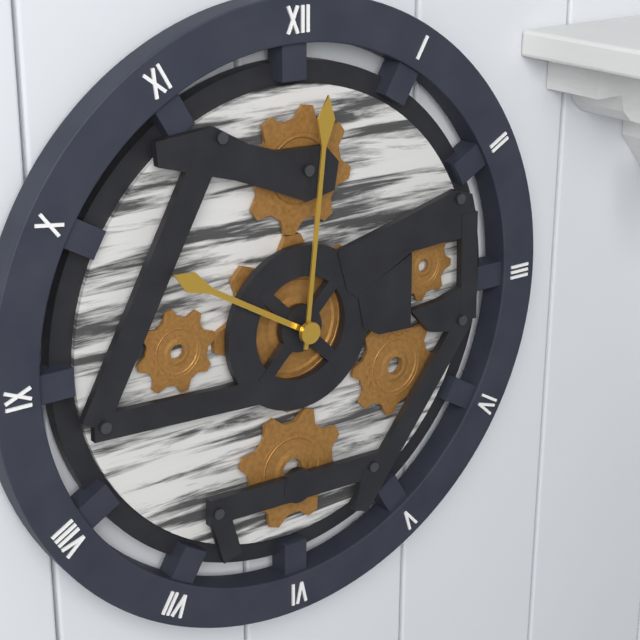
10:01
